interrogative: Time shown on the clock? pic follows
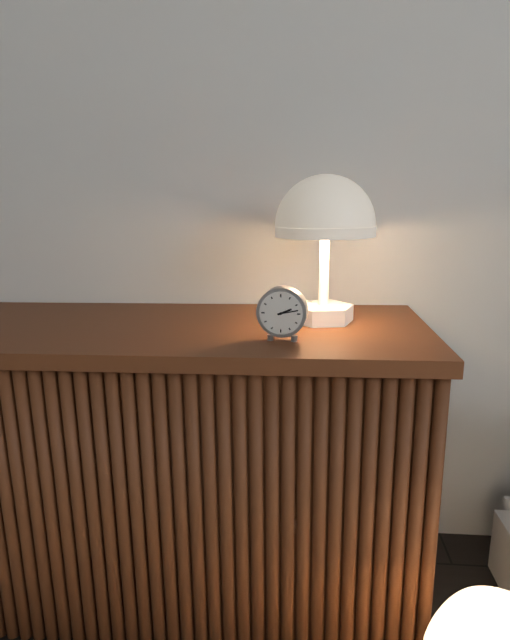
2:13
